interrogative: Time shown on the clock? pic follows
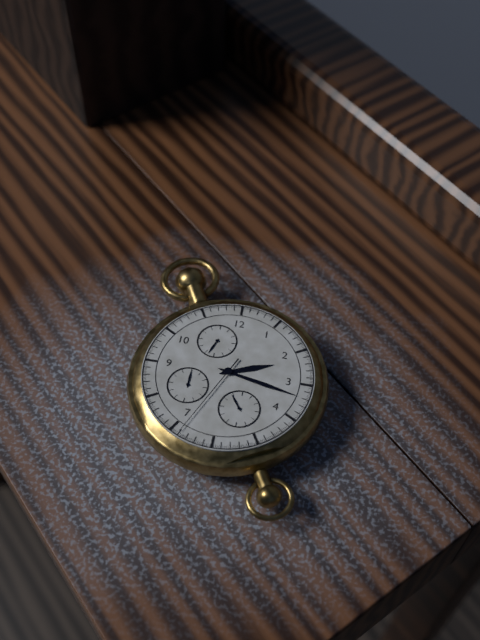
2:17:34
